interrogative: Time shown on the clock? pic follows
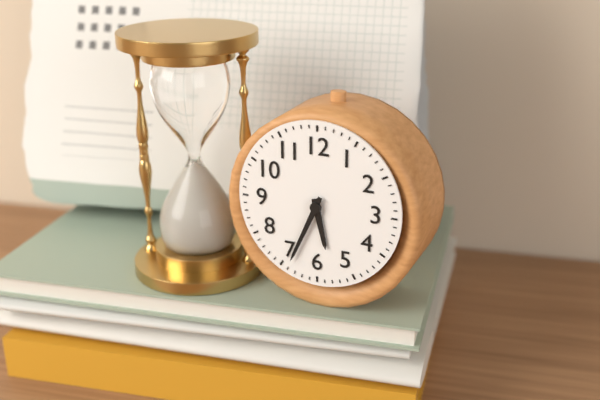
5:34
